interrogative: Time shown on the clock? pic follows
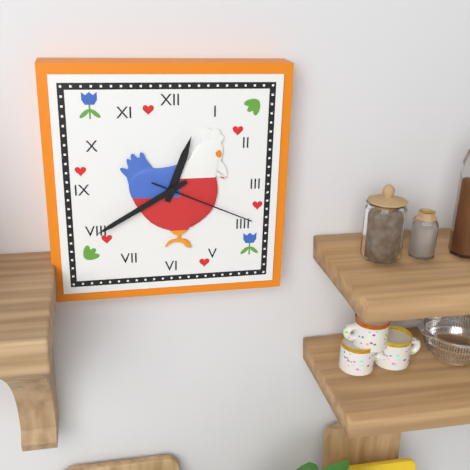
12:40:19
